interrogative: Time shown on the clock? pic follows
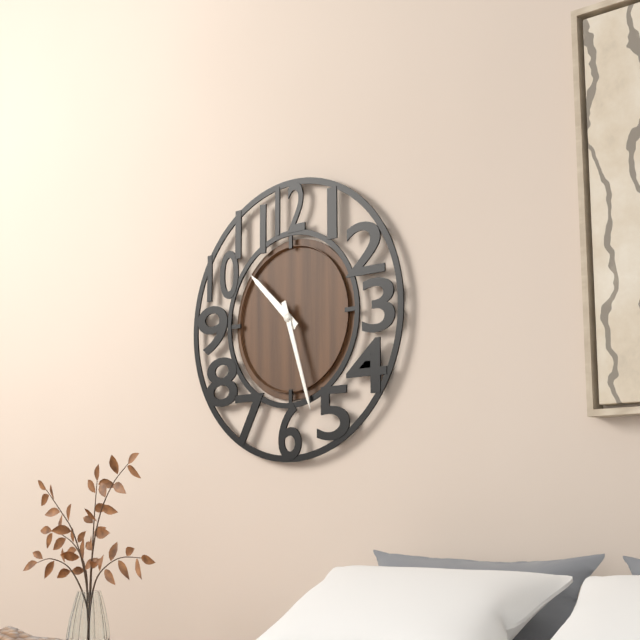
10:27
